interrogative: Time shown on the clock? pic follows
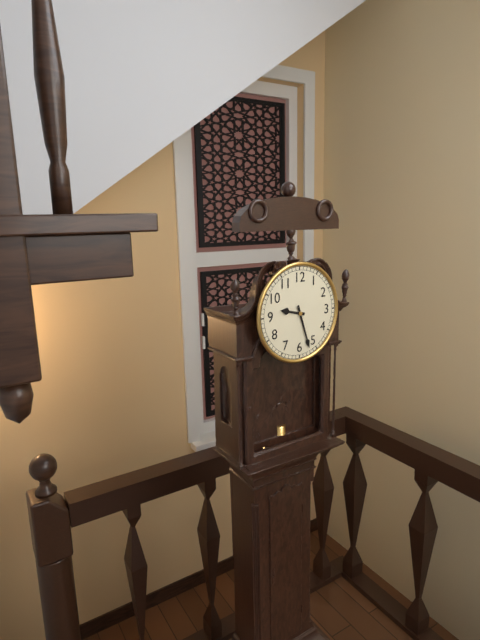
9:27
